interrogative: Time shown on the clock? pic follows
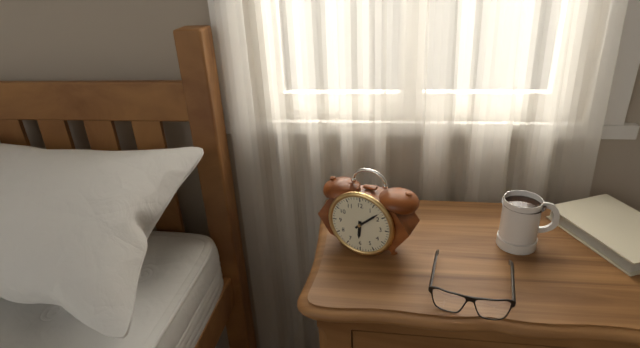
6:08
